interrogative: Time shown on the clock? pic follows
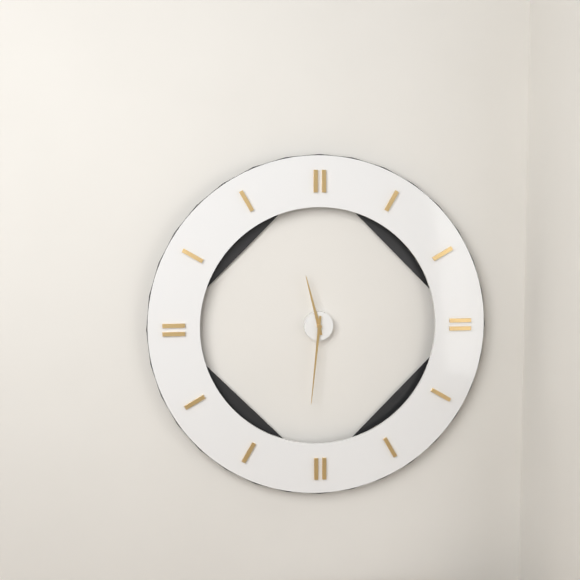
11:31
